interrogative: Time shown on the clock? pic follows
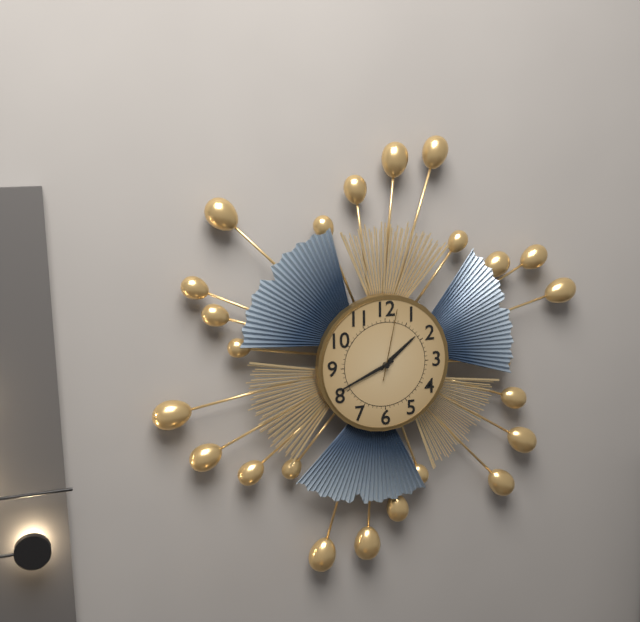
1:41:02
